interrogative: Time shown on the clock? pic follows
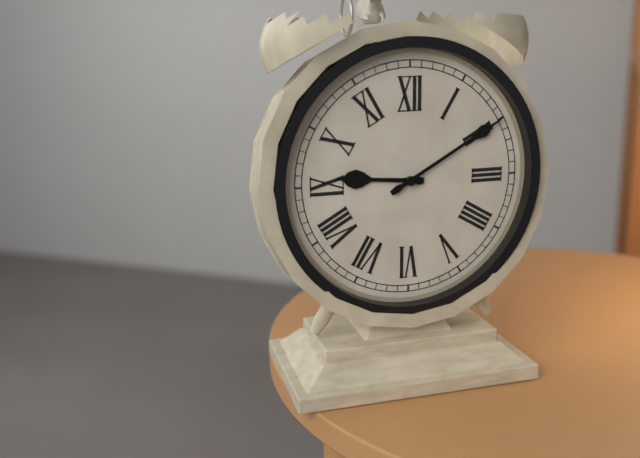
9:10
